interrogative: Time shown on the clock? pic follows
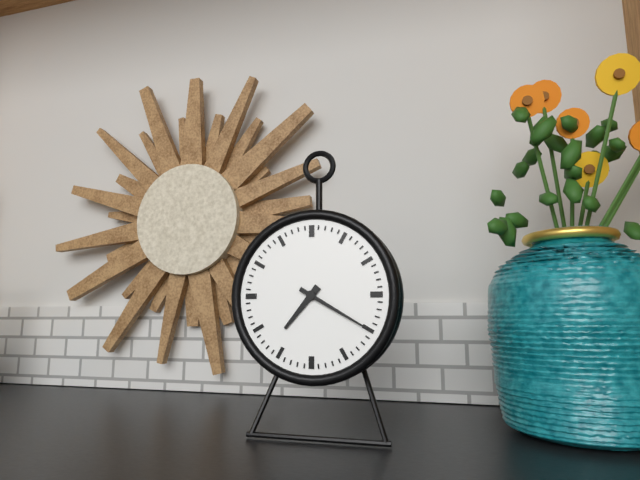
7:20
